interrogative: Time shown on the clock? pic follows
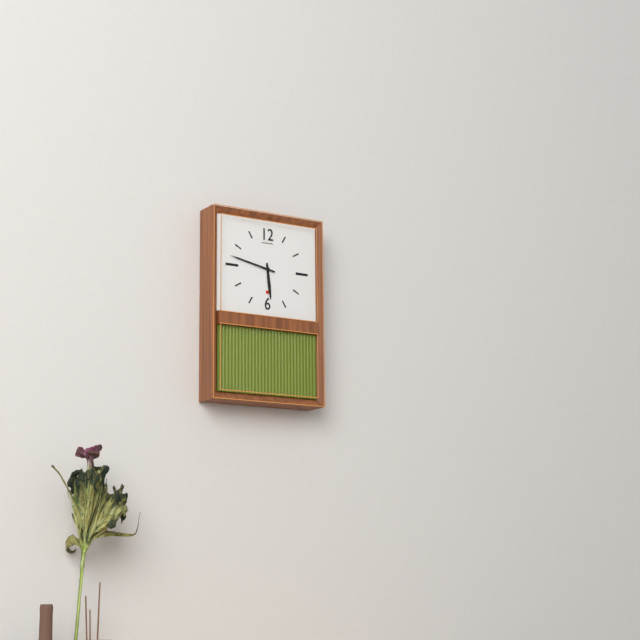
5:47
